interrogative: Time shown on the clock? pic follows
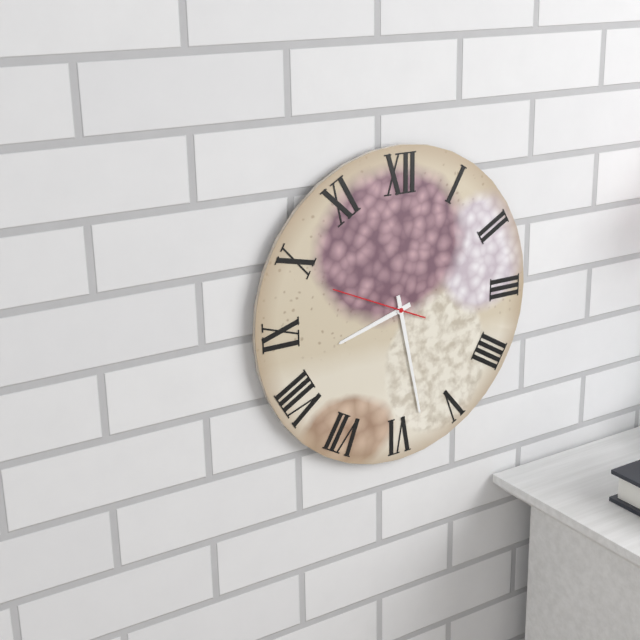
8:28:49
